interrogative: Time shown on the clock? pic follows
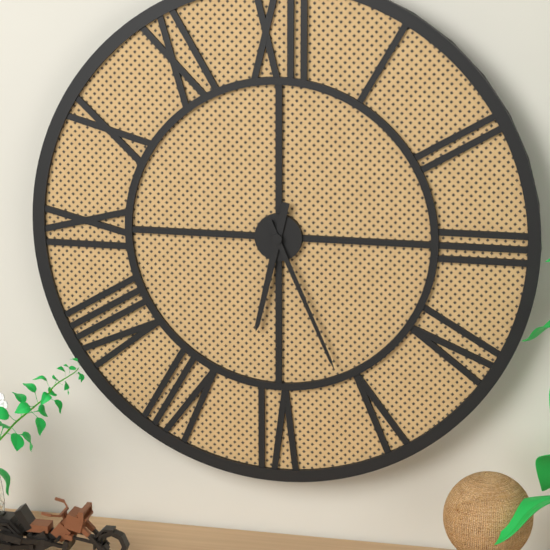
6:26
